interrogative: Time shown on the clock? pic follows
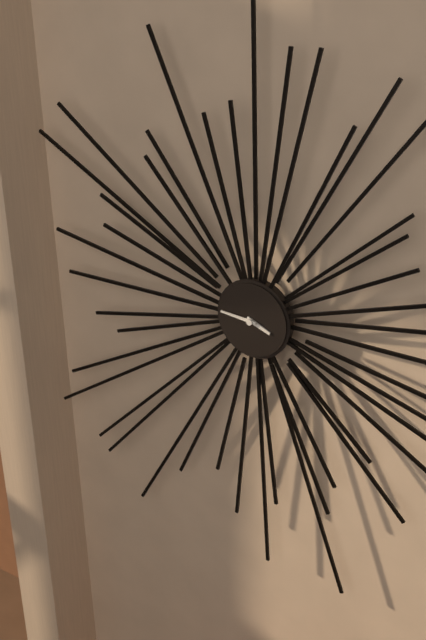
3:46
